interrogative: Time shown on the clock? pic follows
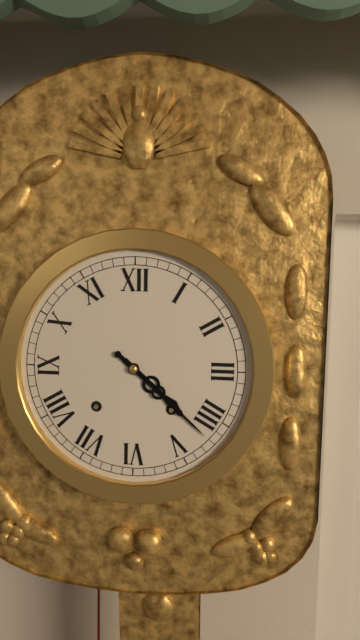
4:22
